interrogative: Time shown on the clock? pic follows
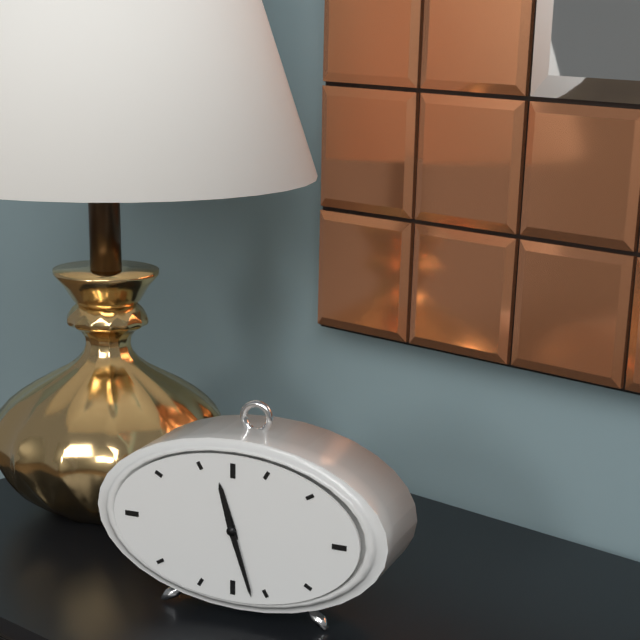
11:27
